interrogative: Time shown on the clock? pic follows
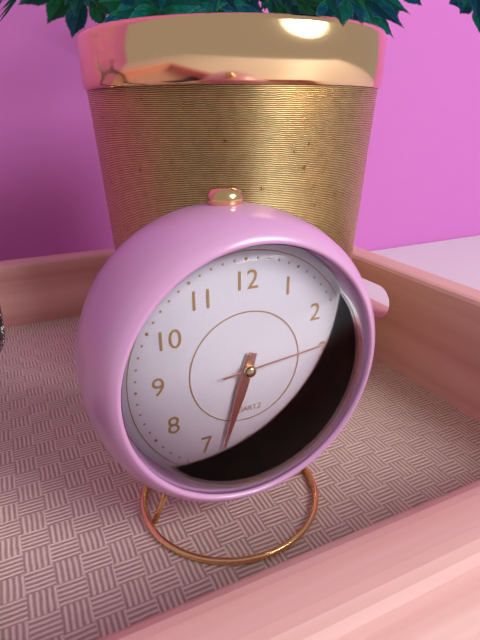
6:33:14
